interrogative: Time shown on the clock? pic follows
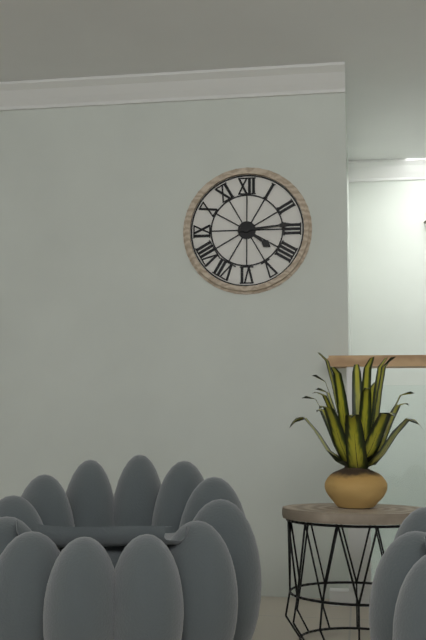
4:14
